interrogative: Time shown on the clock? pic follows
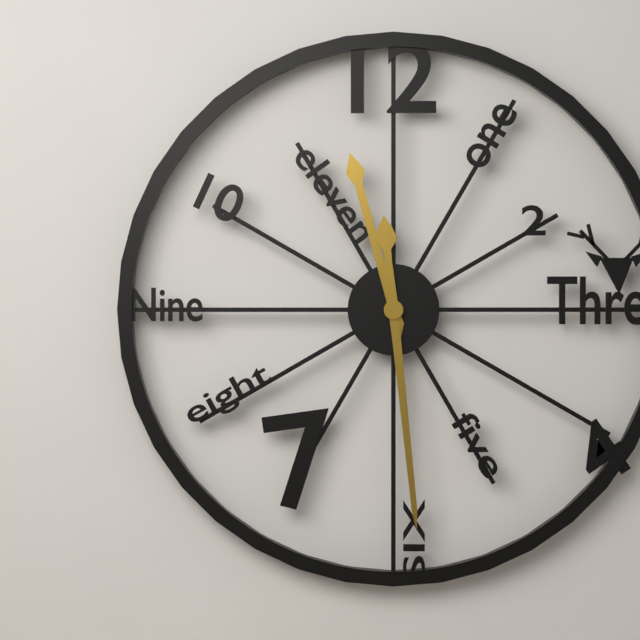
11:29
